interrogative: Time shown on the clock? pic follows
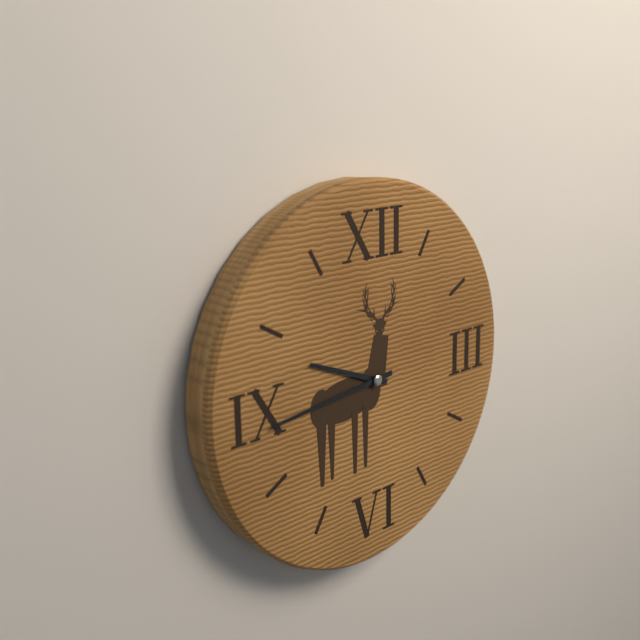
9:44
